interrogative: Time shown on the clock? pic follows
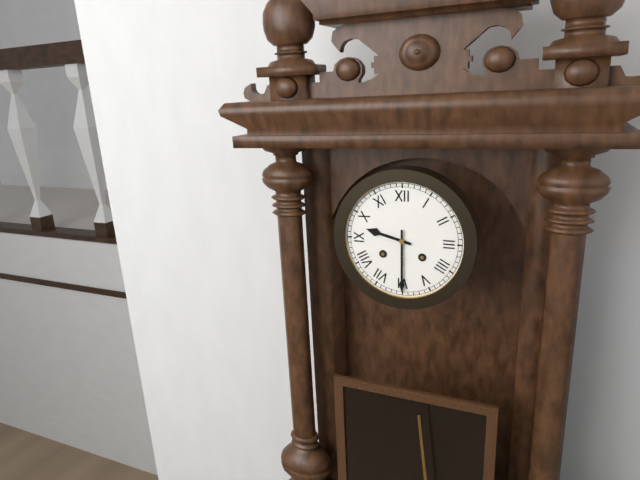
9:30
